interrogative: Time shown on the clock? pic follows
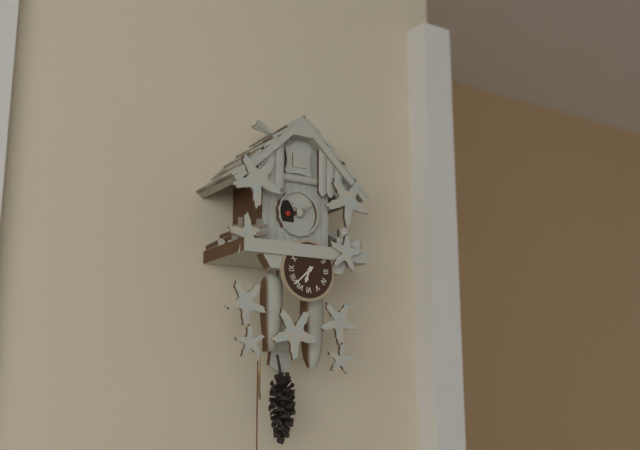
6:38
